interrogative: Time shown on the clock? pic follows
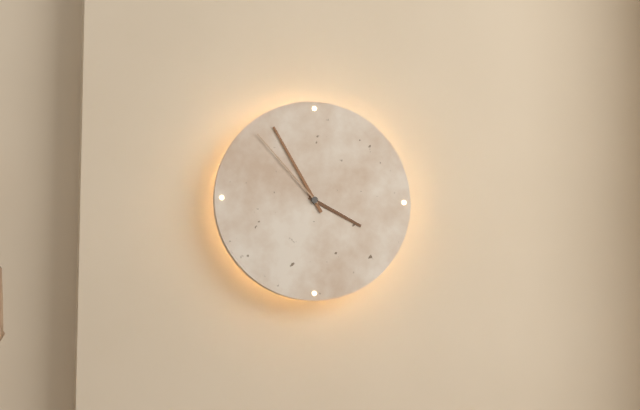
3:55:53
